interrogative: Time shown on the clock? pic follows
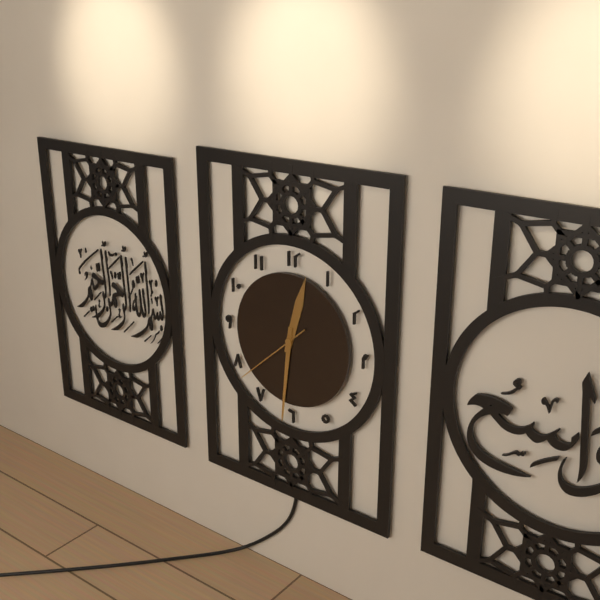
12:31:38
